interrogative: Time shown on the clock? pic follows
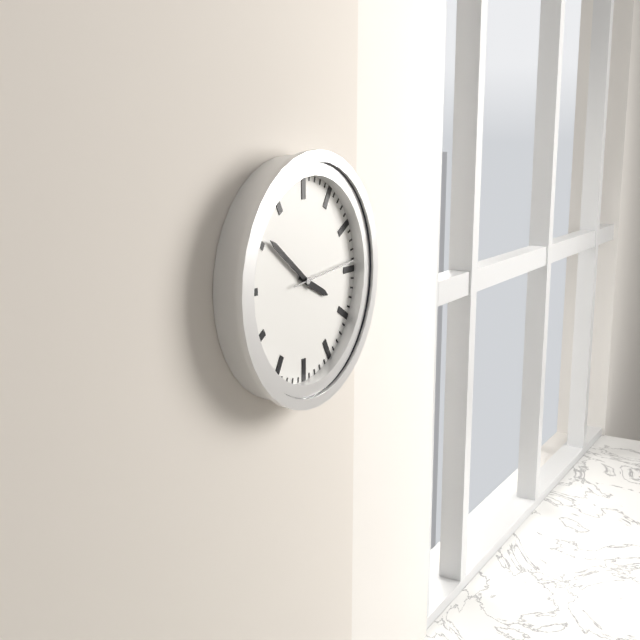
3:51:14
